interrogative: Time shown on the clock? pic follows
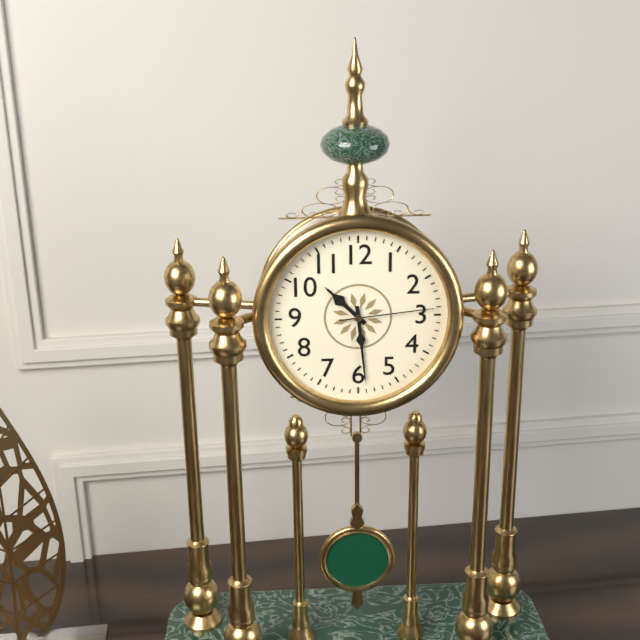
10:29:14
